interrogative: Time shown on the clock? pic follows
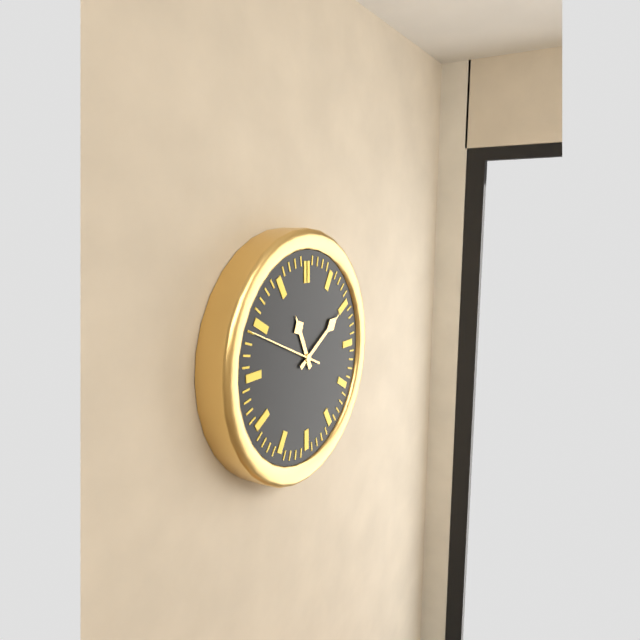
11:10:49
